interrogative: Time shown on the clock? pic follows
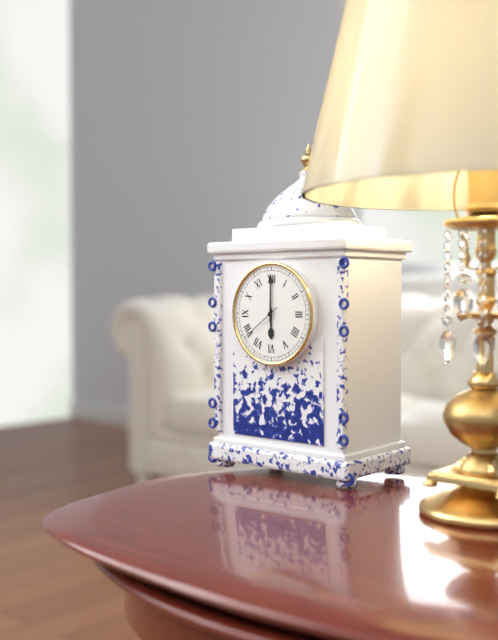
6:00
